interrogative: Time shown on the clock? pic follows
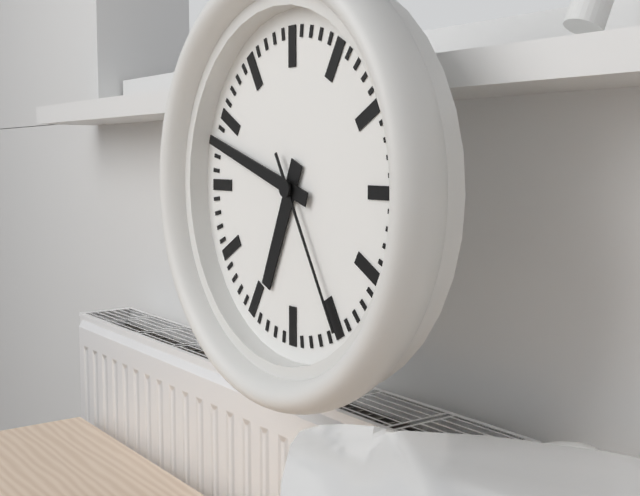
6:48:25
